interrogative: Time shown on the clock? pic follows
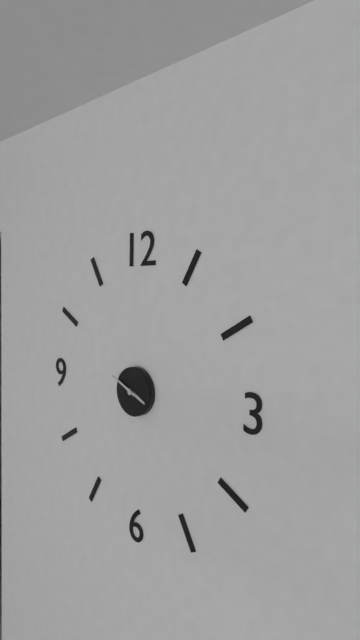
3:49
